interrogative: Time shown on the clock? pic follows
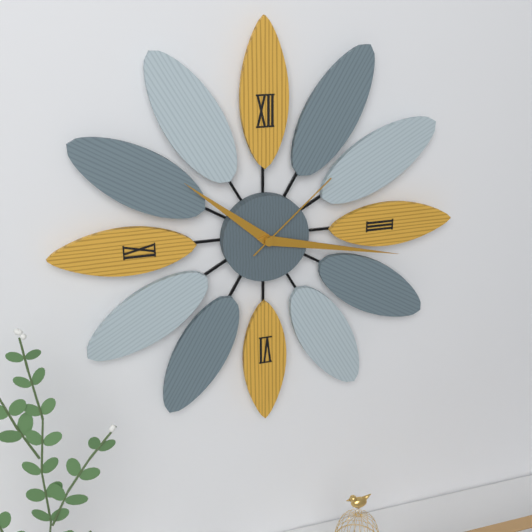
10:17:08
